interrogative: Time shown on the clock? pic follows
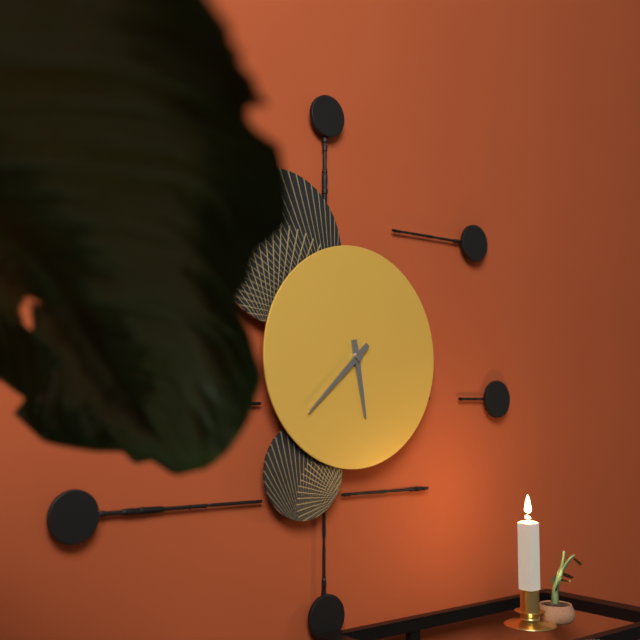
5:38
